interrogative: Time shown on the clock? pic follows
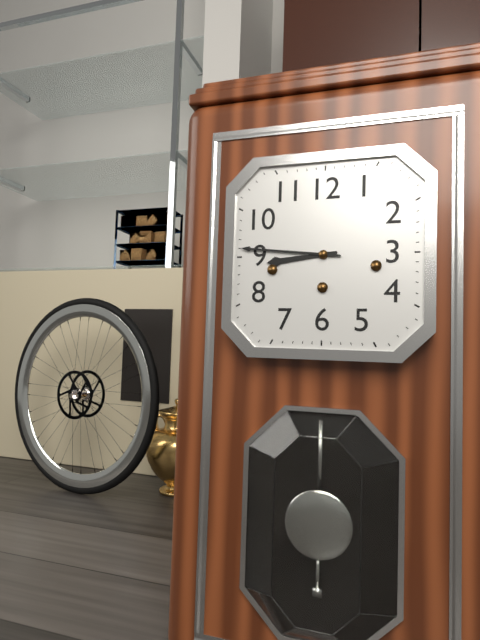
8:46
